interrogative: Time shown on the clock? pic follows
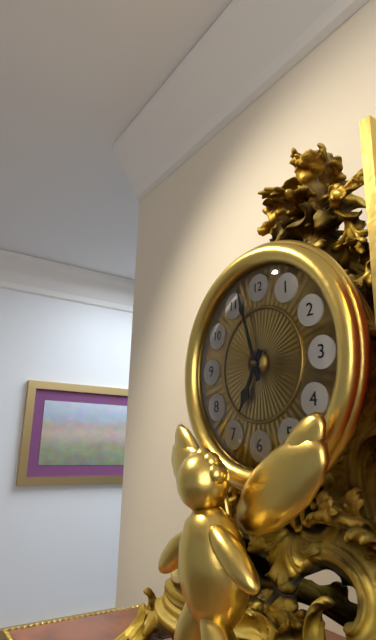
6:57
